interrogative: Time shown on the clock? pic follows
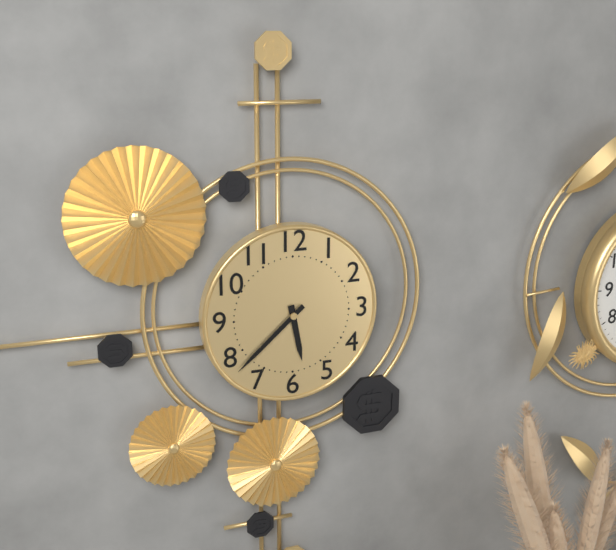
5:38
